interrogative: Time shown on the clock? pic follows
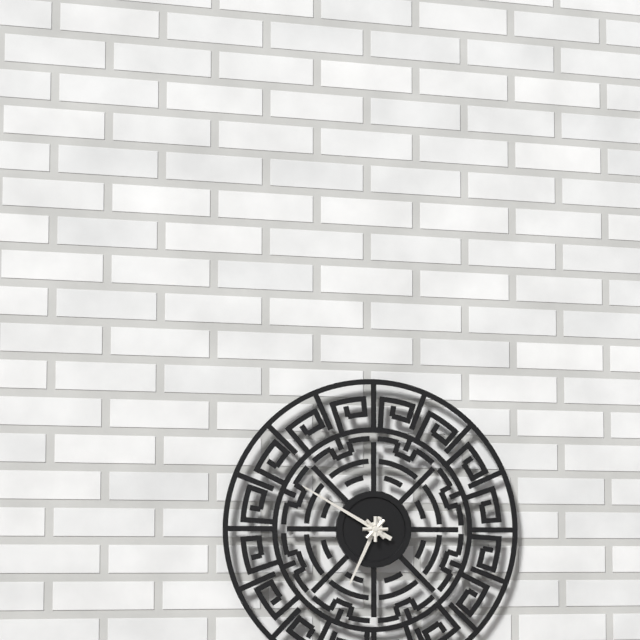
6:50
